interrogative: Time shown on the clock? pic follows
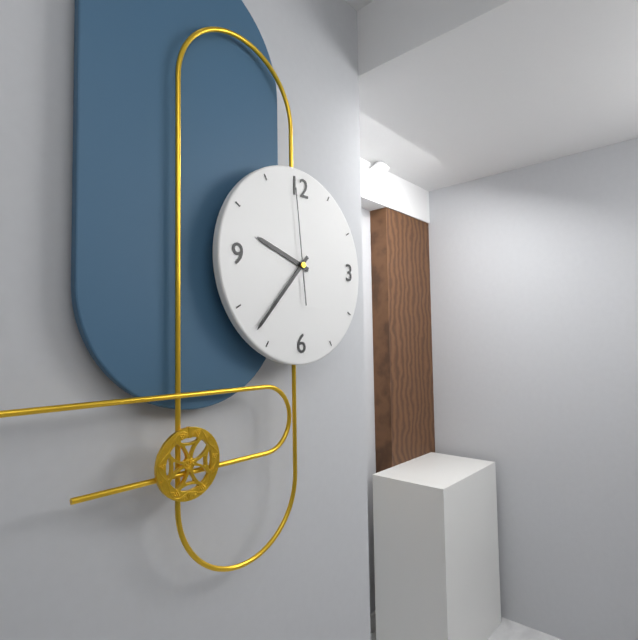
9:37:59
